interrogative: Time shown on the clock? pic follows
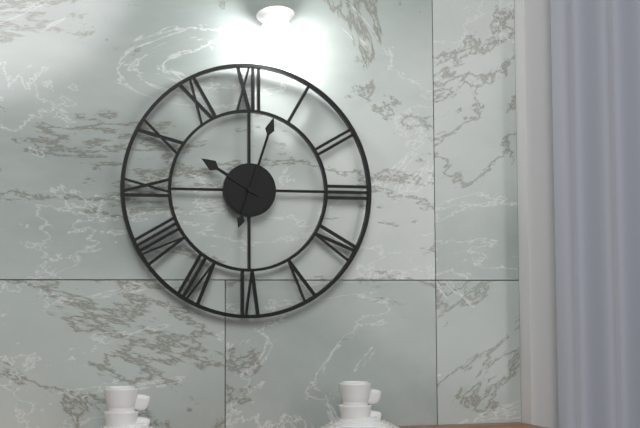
10:03
